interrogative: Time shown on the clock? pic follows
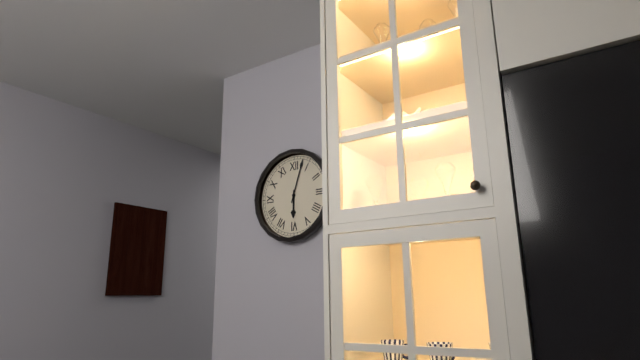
6:03
